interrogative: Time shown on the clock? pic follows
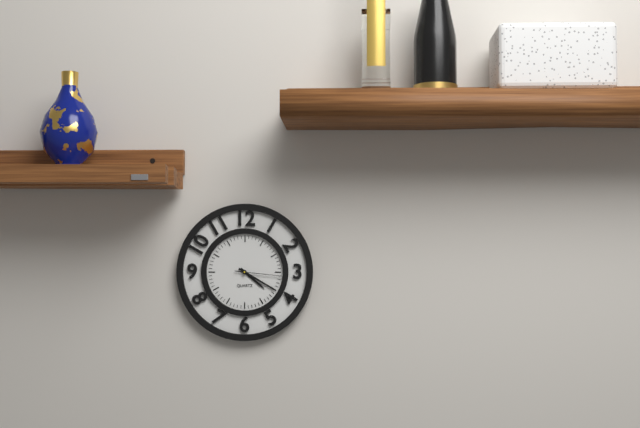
4:20
